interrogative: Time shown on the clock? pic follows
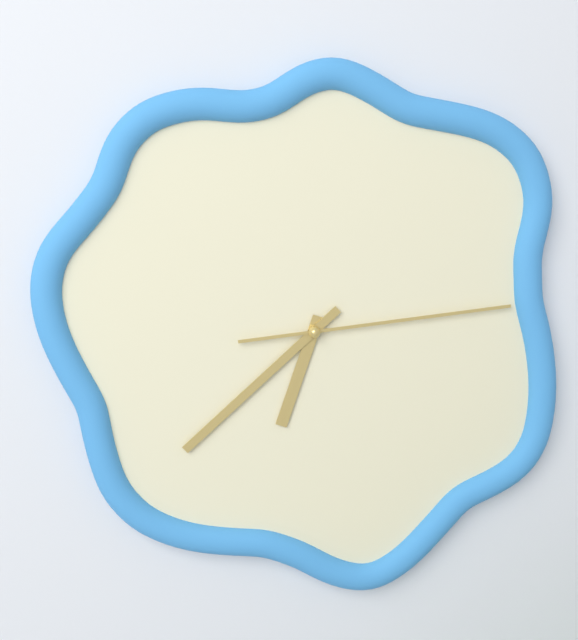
6:38:14
